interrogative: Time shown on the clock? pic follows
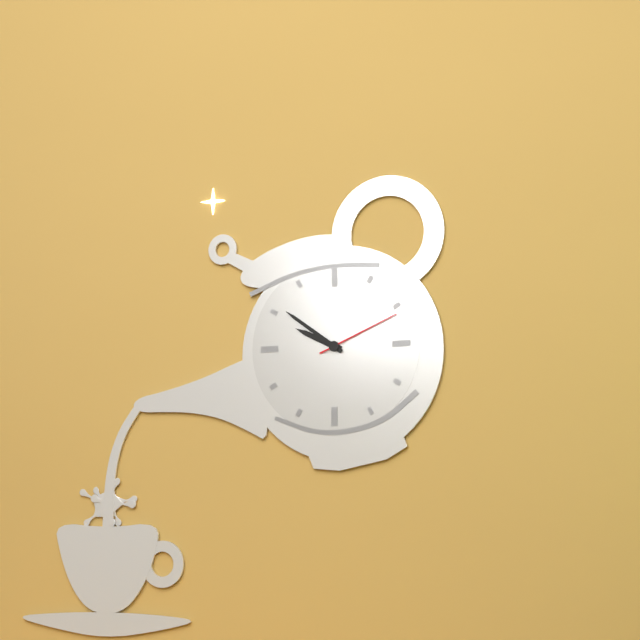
9:51:11
